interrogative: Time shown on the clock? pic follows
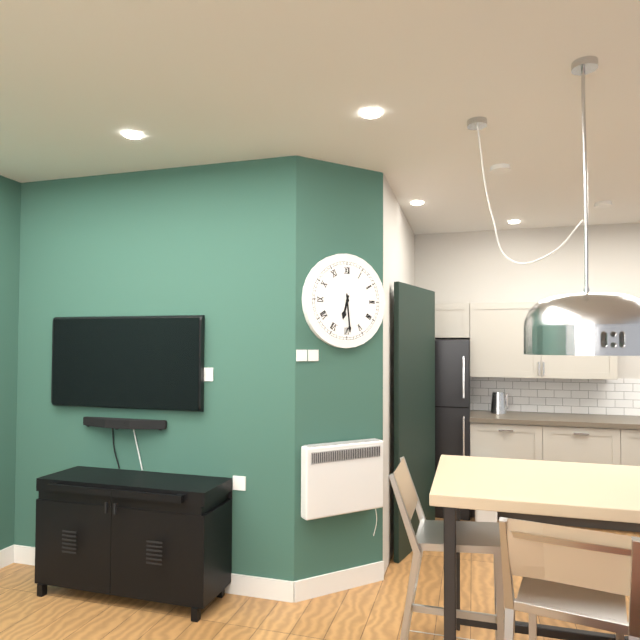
6:29
